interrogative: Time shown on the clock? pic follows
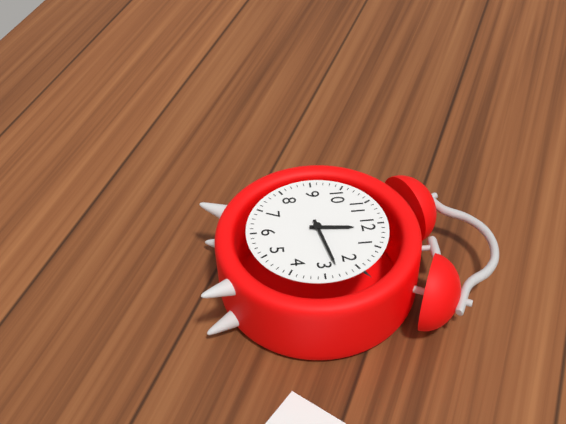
12:13
